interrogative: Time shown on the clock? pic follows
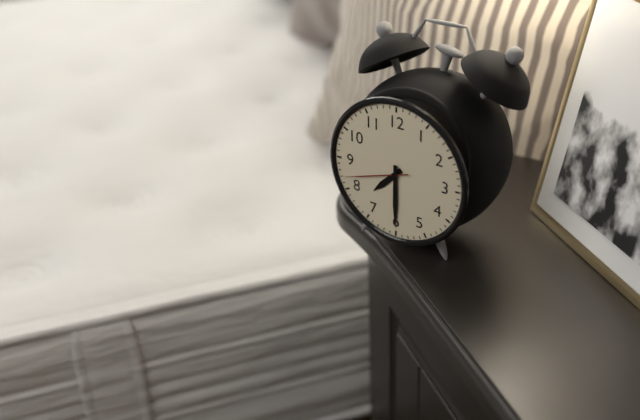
7:30:42
